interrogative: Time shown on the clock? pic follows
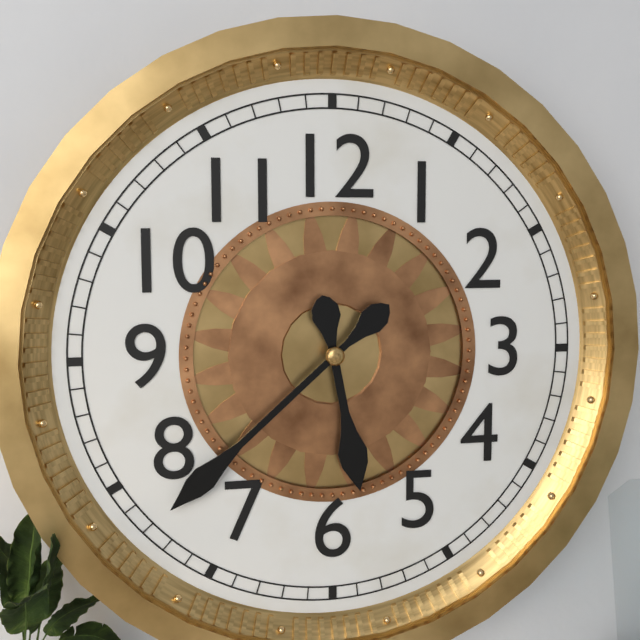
5:38
